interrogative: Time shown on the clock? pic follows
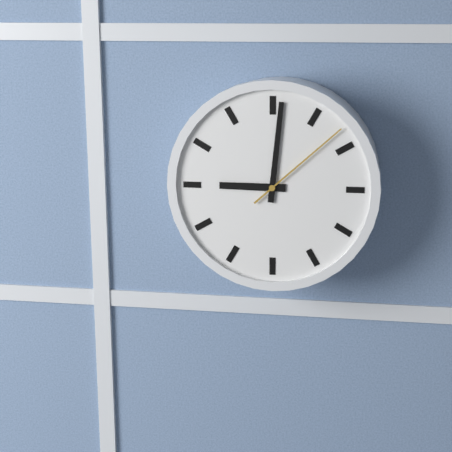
9:01:08
